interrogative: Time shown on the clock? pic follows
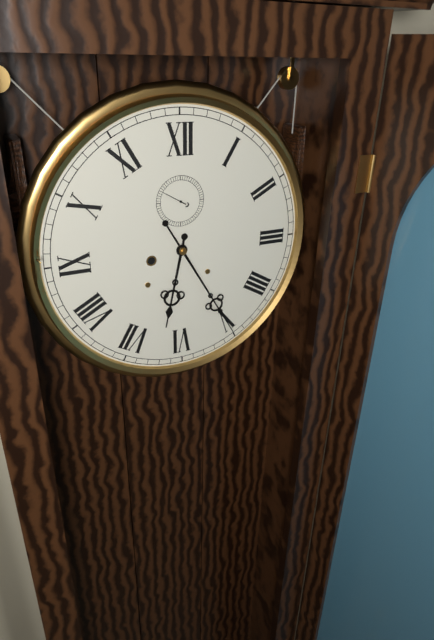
6:25
